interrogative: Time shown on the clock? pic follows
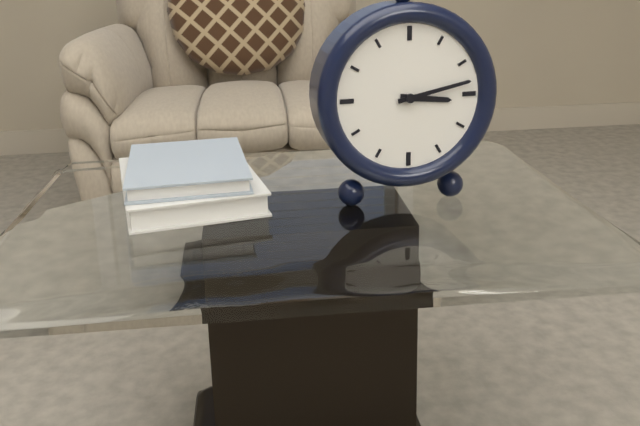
3:13
